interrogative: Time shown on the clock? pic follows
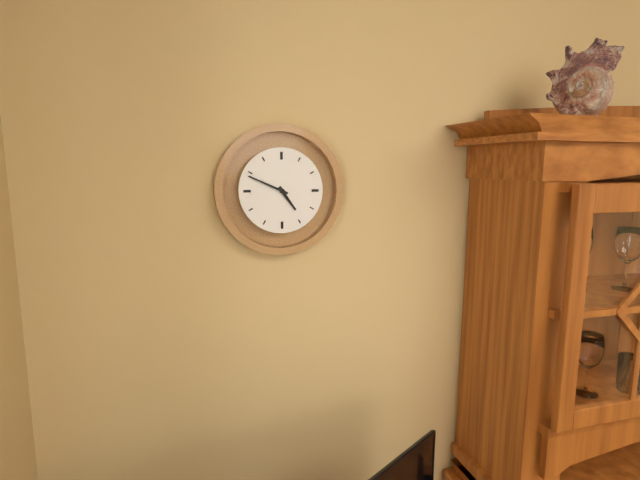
4:49
